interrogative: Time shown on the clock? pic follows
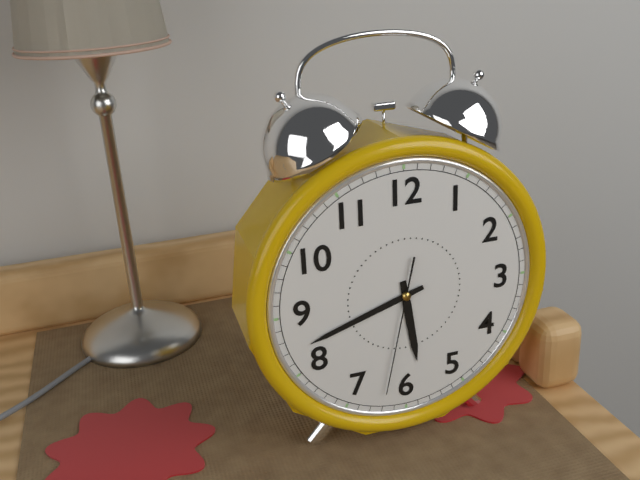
5:42:32
